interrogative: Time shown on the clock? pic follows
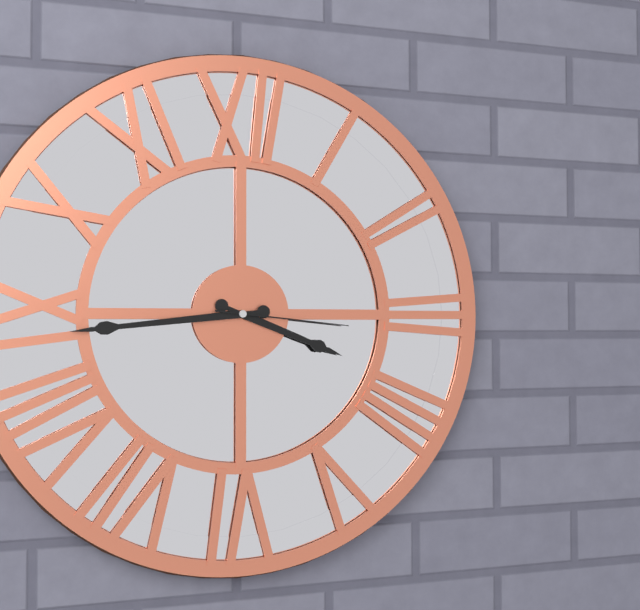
3:44:16
